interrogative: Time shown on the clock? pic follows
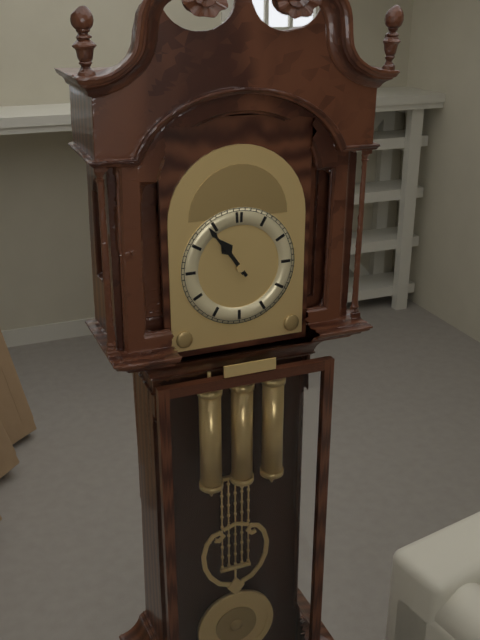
10:54
